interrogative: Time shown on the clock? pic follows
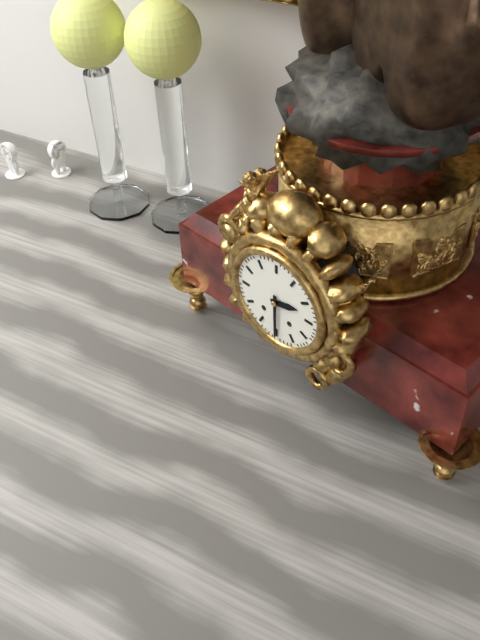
2:30
